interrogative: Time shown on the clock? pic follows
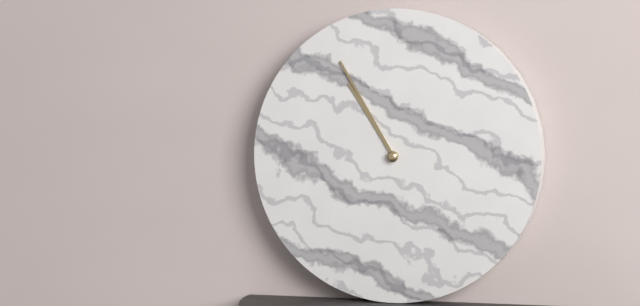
10:55
